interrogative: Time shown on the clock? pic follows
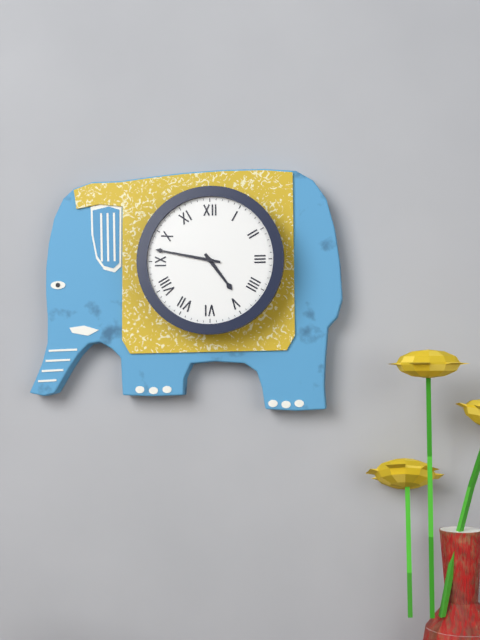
4:47
